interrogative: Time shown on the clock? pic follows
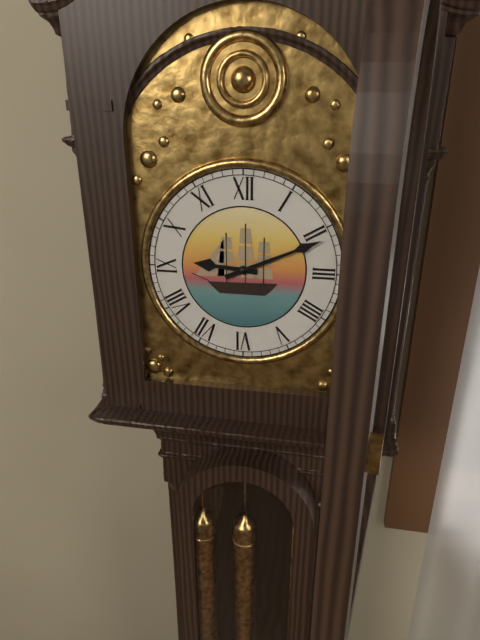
9:11
